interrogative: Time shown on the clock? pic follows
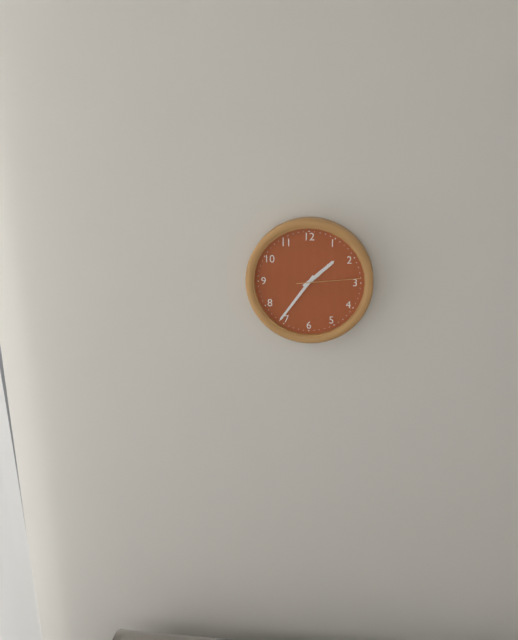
1:36:14
